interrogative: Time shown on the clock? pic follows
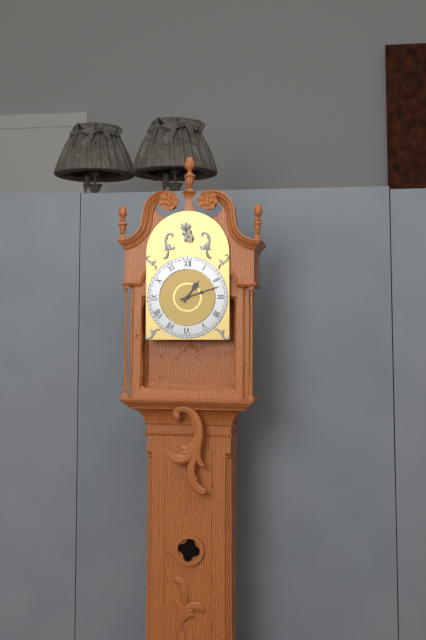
1:12
